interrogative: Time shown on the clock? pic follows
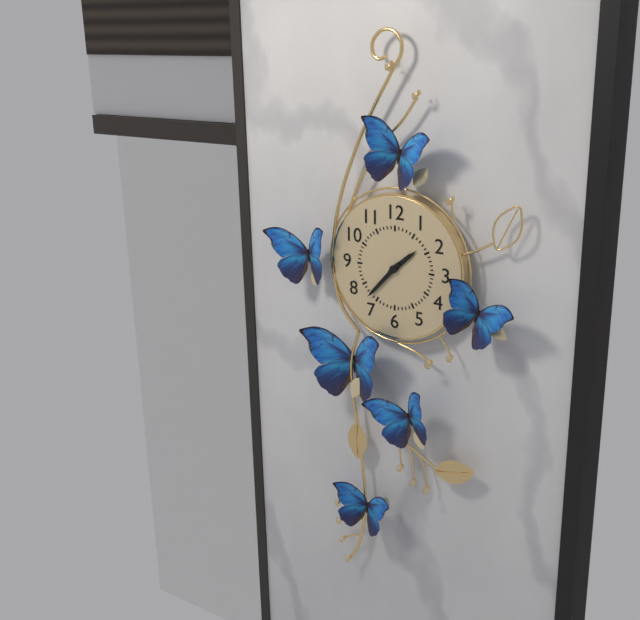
1:37
